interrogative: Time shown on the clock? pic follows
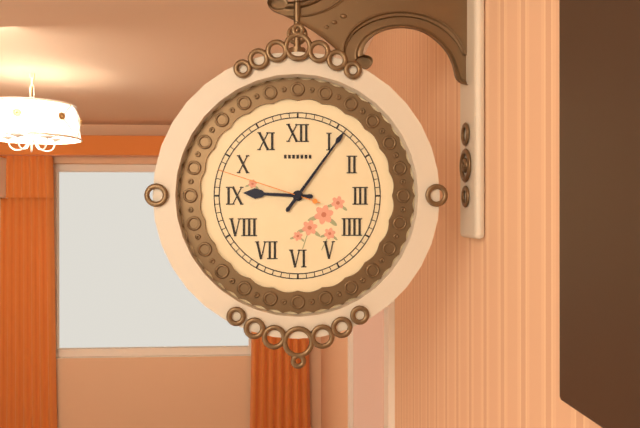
9:06:48
